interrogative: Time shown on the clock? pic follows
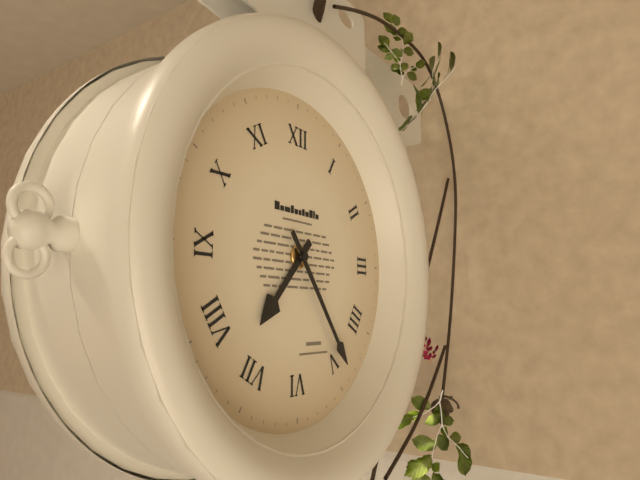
7:24
